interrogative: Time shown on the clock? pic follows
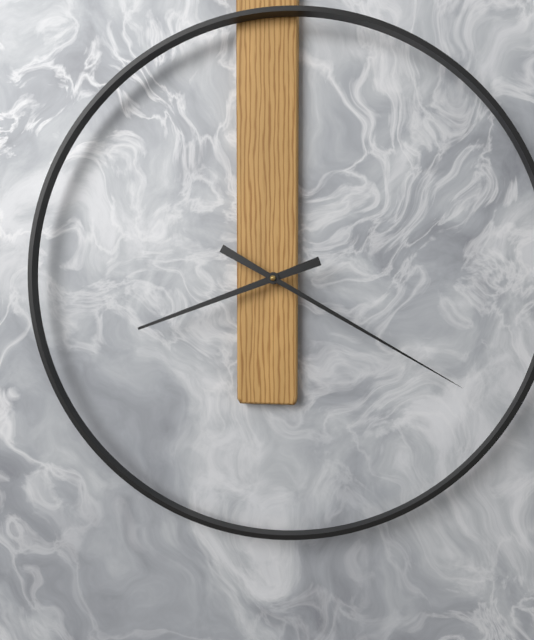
8:20
